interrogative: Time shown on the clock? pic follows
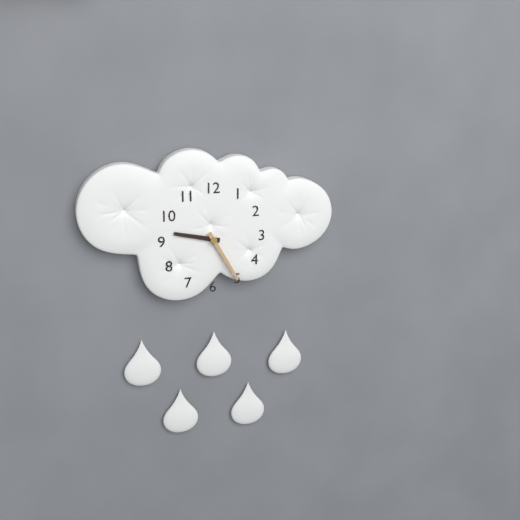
9:25
